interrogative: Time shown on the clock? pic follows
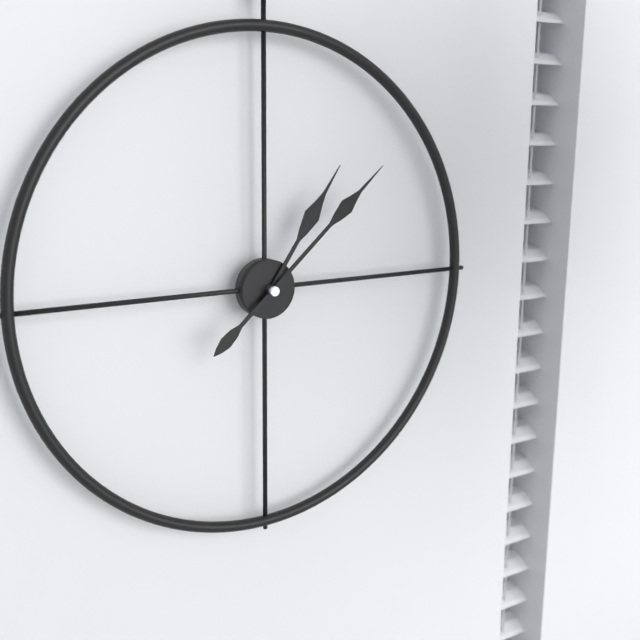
1:08
